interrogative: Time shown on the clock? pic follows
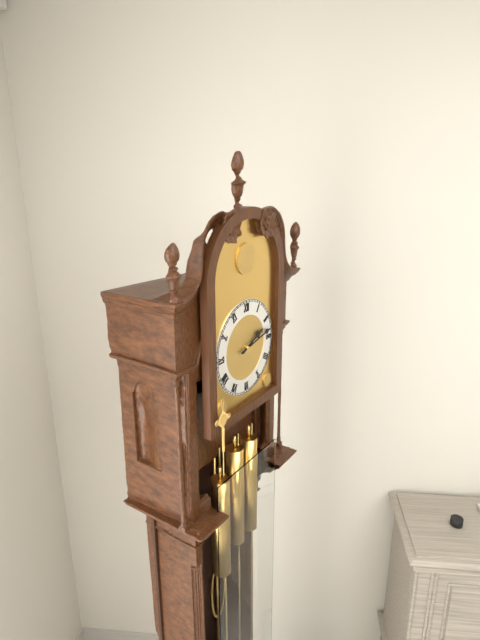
2:13
